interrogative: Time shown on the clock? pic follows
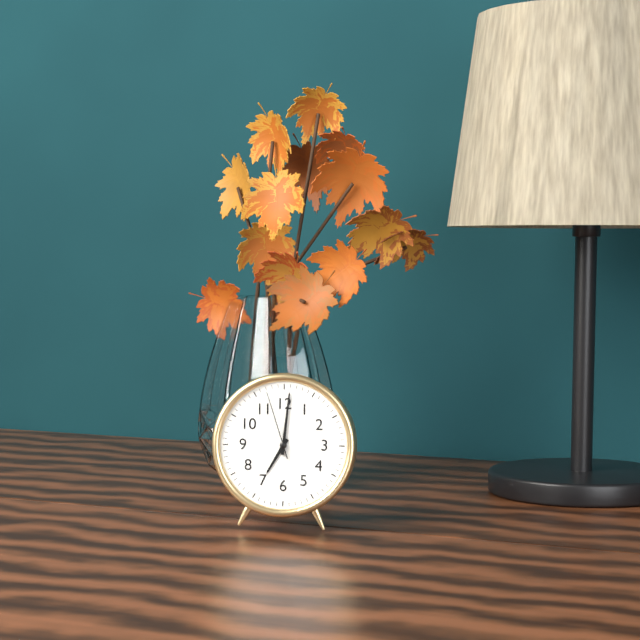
7:01:57
